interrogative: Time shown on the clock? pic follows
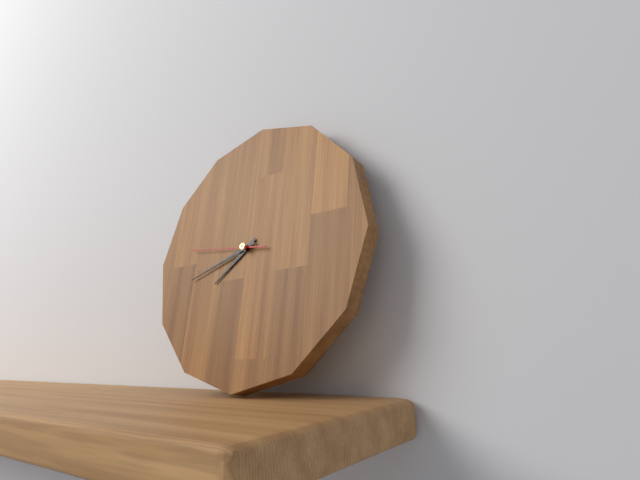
7:42:46
